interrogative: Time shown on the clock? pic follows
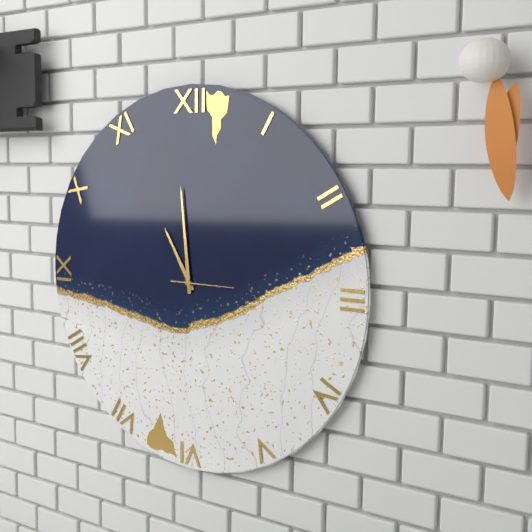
10:59:15
